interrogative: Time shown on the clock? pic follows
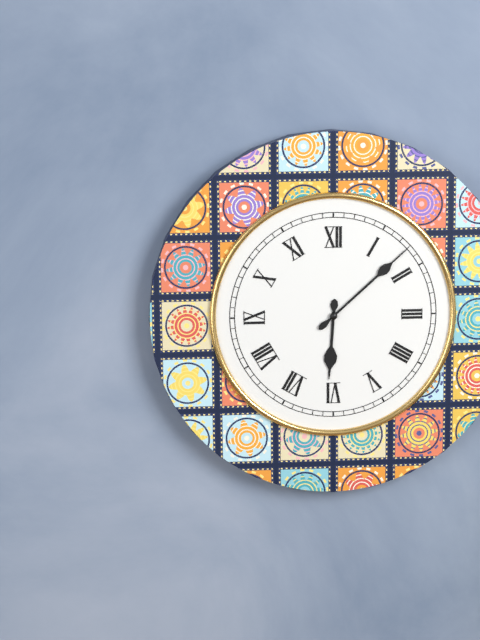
6:08
